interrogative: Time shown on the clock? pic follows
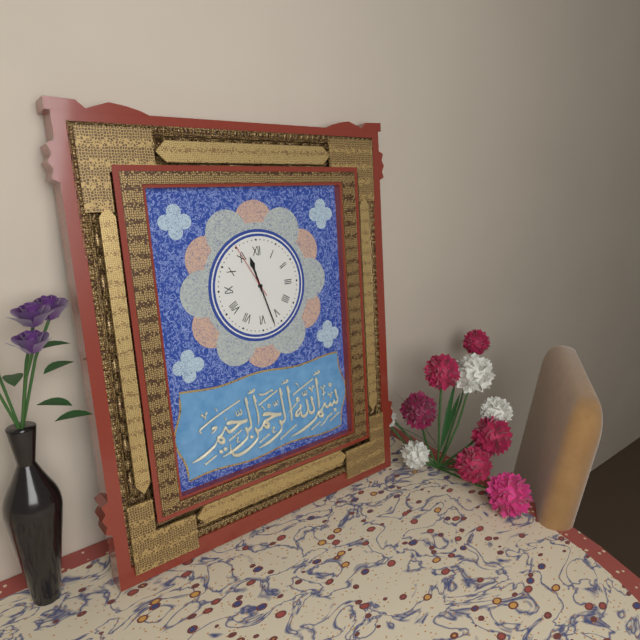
11:27:55
